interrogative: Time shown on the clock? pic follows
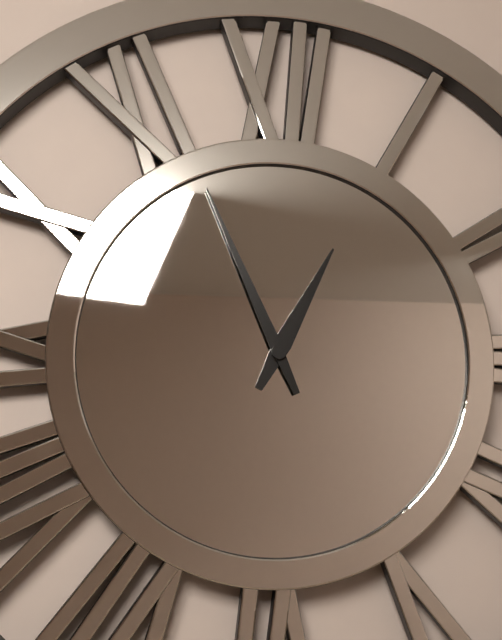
12:56
